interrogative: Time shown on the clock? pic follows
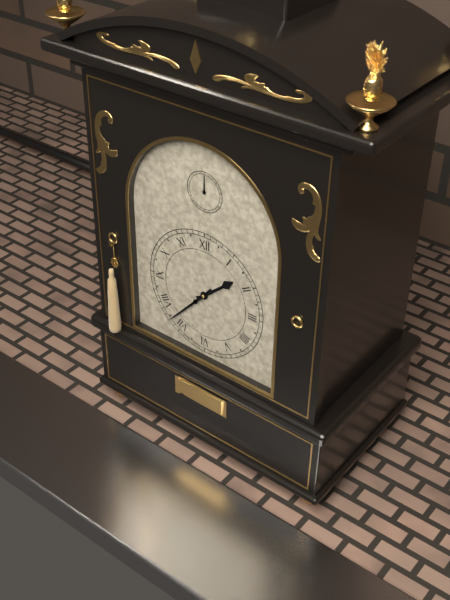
1:37
